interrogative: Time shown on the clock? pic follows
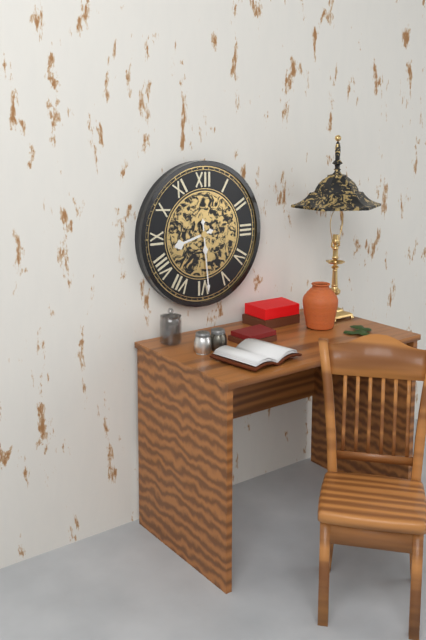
8:29
